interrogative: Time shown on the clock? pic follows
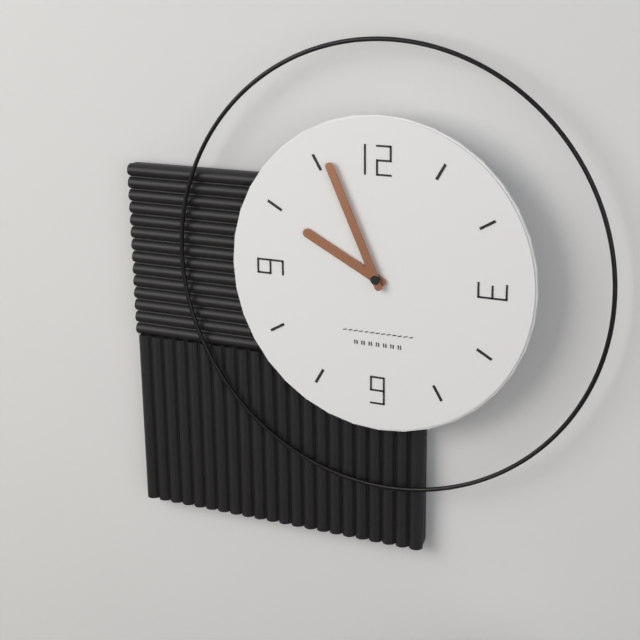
9:56
